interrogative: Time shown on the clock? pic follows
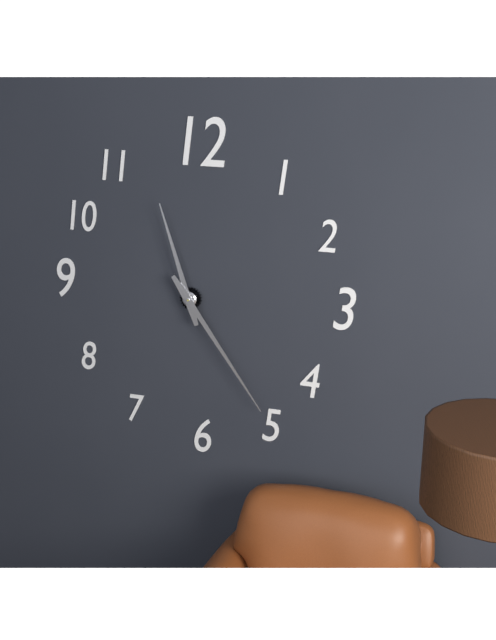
11:24
